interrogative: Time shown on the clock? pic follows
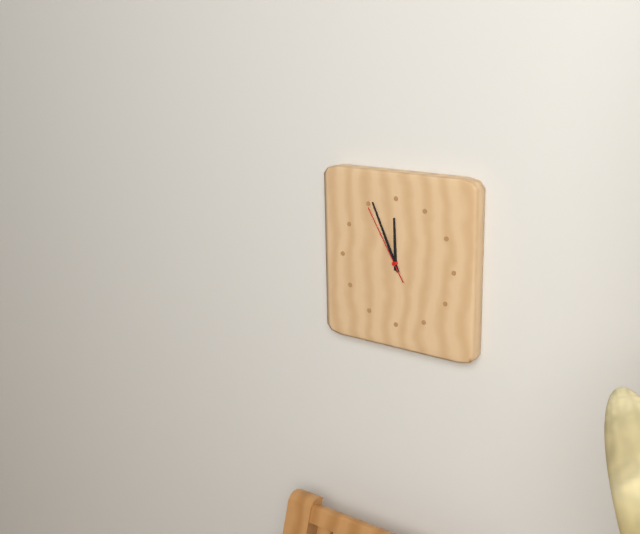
11:56:55
